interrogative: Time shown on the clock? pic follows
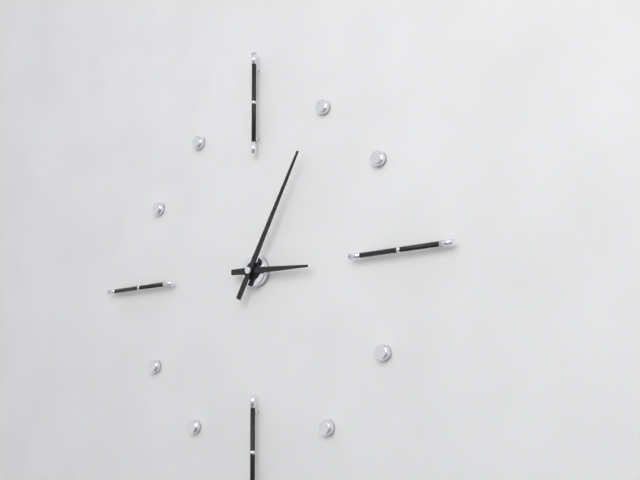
3:05
